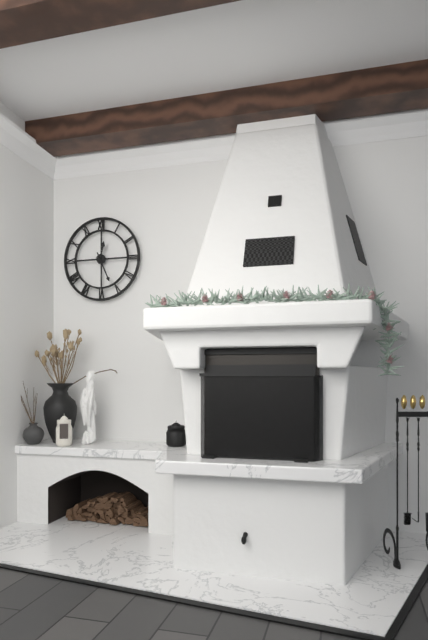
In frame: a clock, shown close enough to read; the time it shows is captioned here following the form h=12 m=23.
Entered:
h=12 m=26
